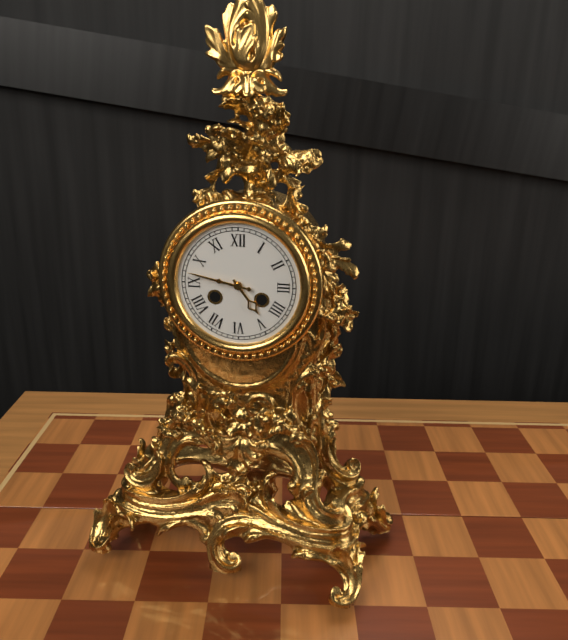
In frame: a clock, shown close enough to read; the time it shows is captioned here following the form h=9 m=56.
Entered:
h=4 m=47
